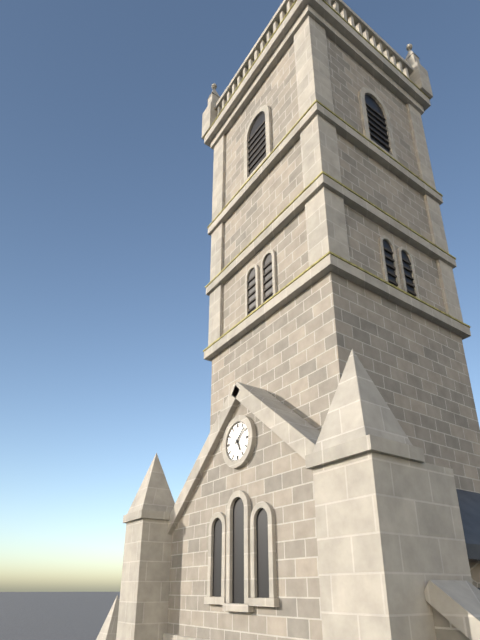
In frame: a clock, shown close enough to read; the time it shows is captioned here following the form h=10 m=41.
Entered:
h=5 m=8
